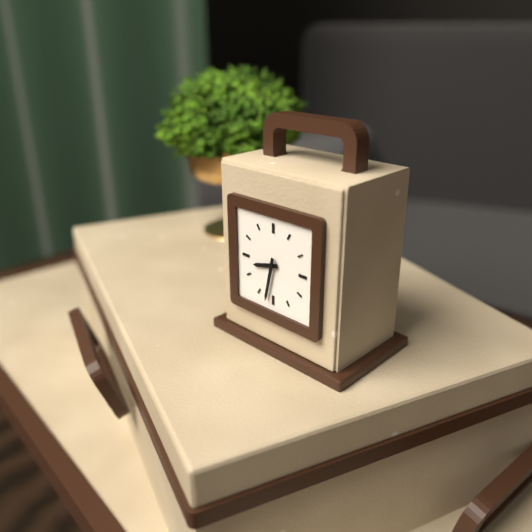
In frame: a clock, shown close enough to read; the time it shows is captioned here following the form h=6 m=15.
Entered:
h=8 m=32
